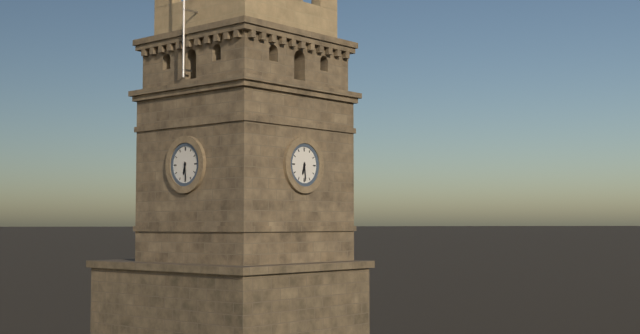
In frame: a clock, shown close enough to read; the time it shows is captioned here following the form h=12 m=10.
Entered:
h=6 m=29
